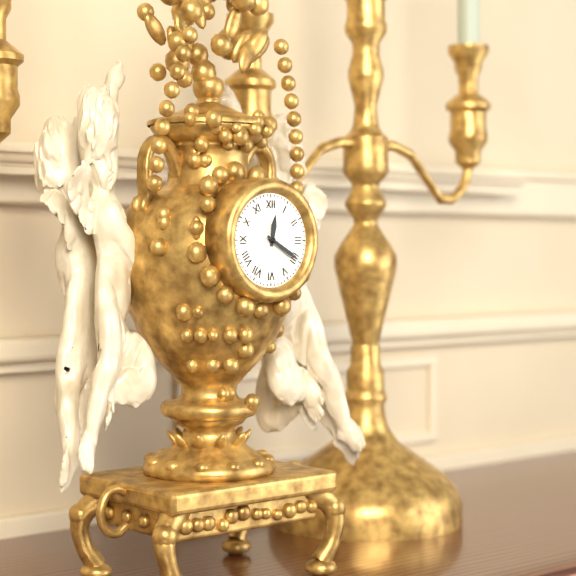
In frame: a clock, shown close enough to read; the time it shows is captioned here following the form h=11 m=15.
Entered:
h=12 m=20
